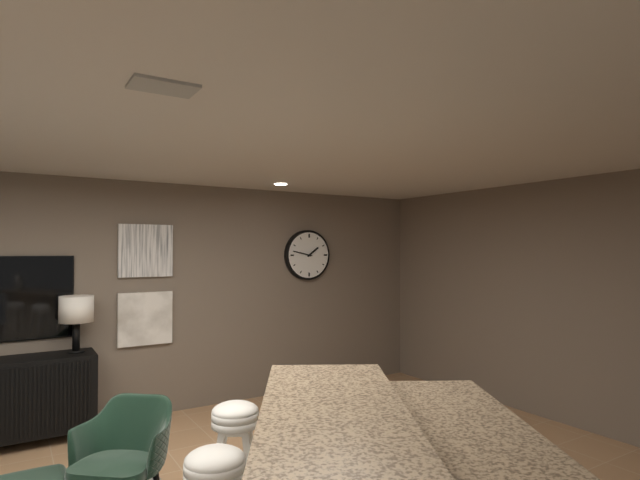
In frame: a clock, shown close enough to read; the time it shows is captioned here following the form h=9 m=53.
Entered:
h=1 m=47
